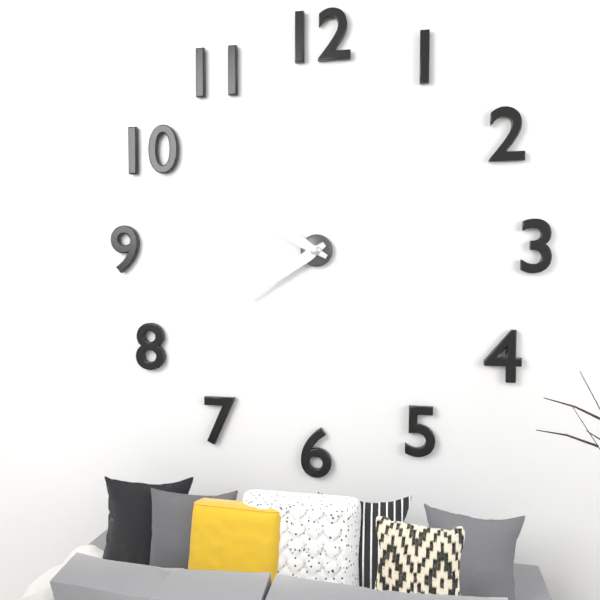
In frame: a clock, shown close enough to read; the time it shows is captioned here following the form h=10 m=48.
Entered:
h=7 m=50
